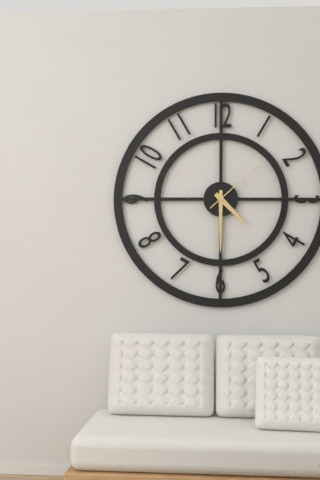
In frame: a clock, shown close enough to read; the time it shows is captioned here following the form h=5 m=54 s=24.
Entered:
h=4 m=30 s=8
